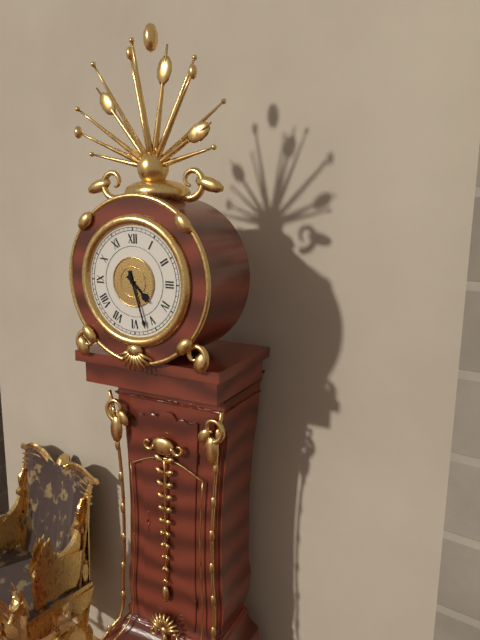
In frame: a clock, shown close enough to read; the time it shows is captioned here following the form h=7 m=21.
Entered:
h=4 m=27
